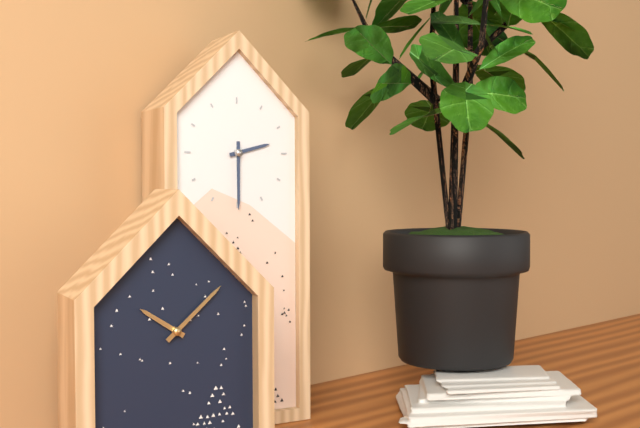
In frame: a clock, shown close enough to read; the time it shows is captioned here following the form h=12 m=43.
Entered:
h=2 m=30
